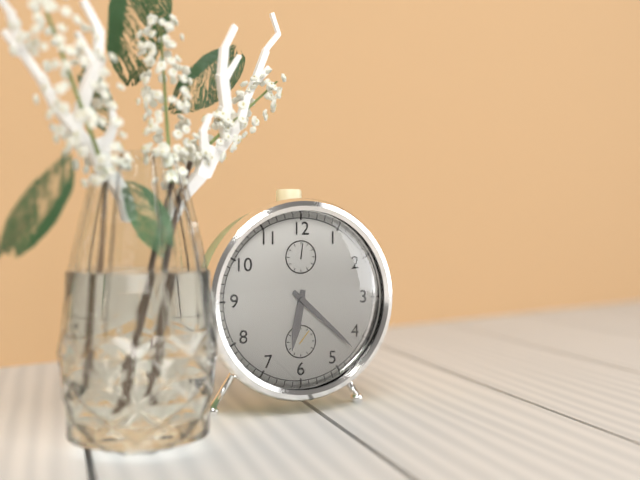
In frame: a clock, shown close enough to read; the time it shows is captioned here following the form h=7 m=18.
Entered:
h=6 m=22
